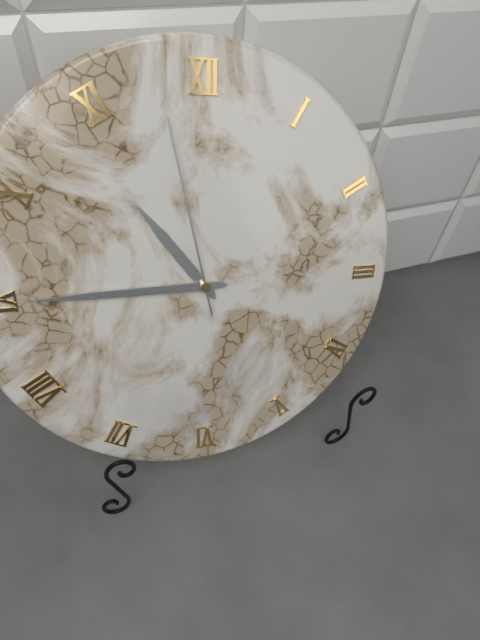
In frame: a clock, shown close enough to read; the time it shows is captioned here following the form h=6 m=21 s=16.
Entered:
h=10 m=45 s=58
